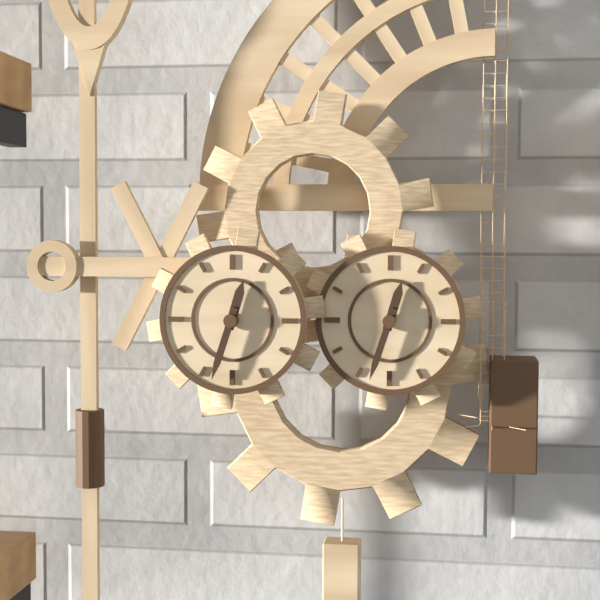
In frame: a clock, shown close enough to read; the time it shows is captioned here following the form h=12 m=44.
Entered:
h=12 m=33
